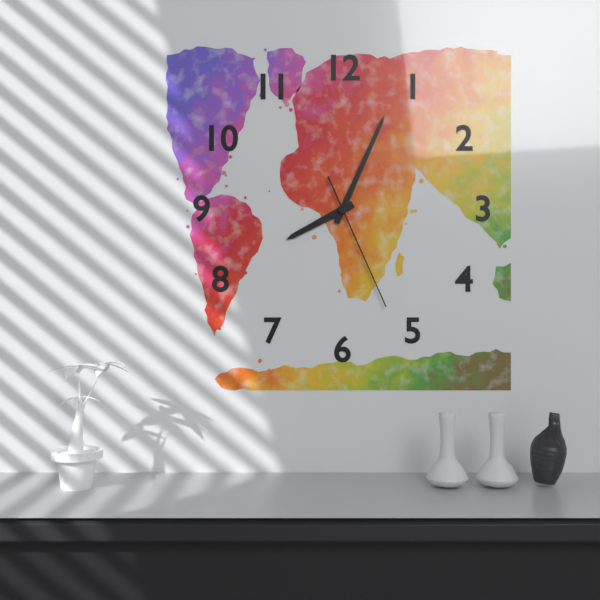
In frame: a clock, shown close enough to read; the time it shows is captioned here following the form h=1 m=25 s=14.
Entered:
h=8 m=4 s=26
